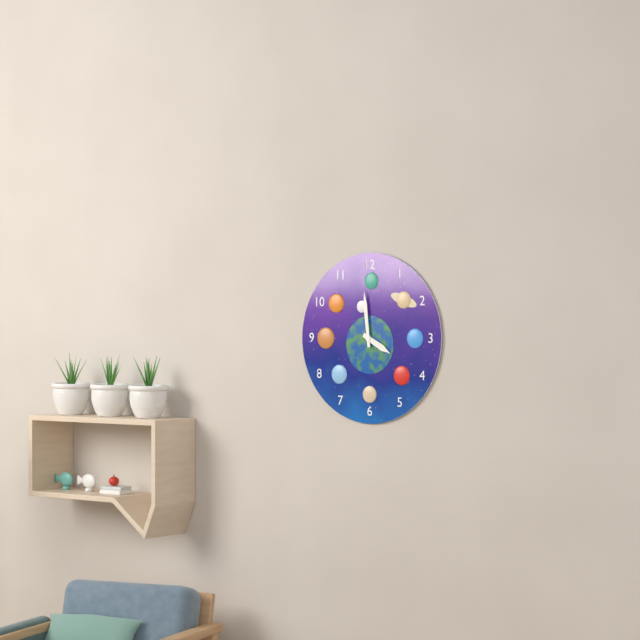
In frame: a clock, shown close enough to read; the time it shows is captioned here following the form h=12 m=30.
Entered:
h=3 m=59
